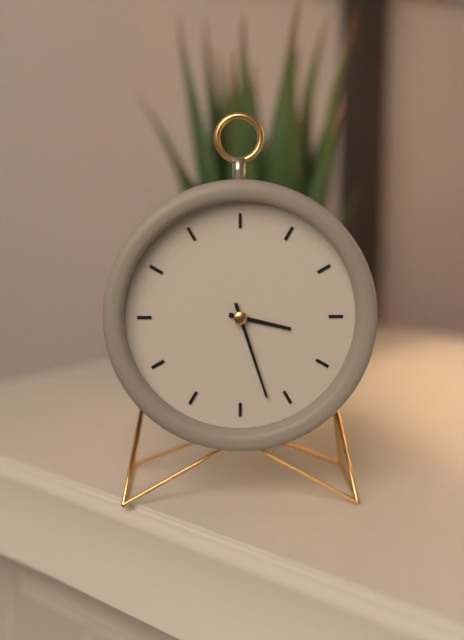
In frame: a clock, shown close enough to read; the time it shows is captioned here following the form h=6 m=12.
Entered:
h=3 m=27
